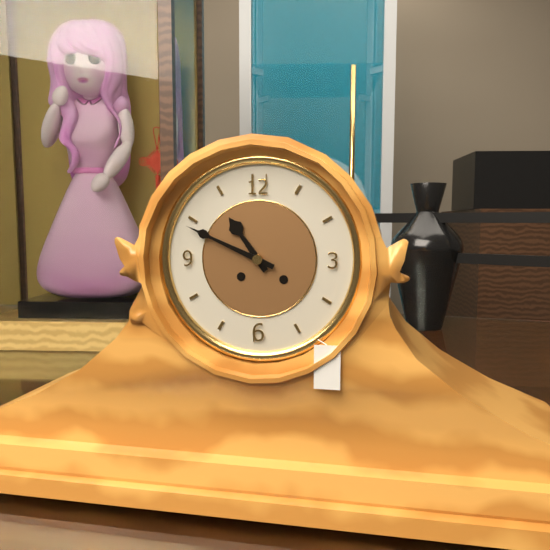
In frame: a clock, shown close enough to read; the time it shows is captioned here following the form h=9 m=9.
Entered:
h=10 m=49
